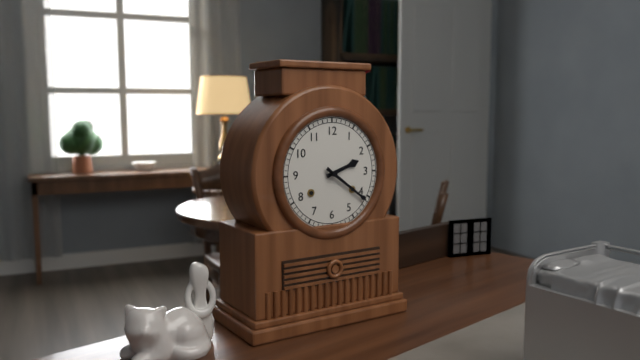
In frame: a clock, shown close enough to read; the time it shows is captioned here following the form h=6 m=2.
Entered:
h=2 m=21
